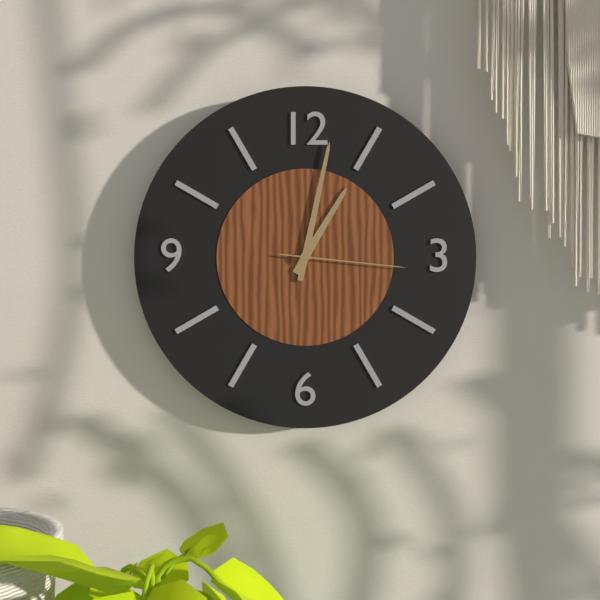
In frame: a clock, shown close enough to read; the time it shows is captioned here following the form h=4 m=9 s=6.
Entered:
h=1 m=2 s=16
